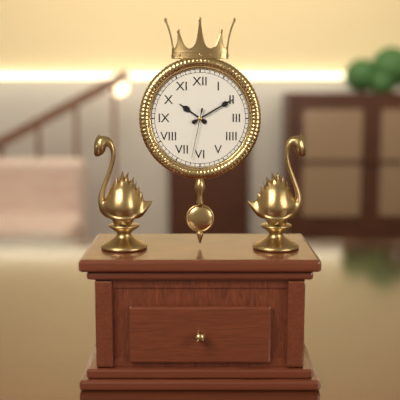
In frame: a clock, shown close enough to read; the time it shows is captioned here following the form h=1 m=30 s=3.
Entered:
h=10 m=10 s=32
